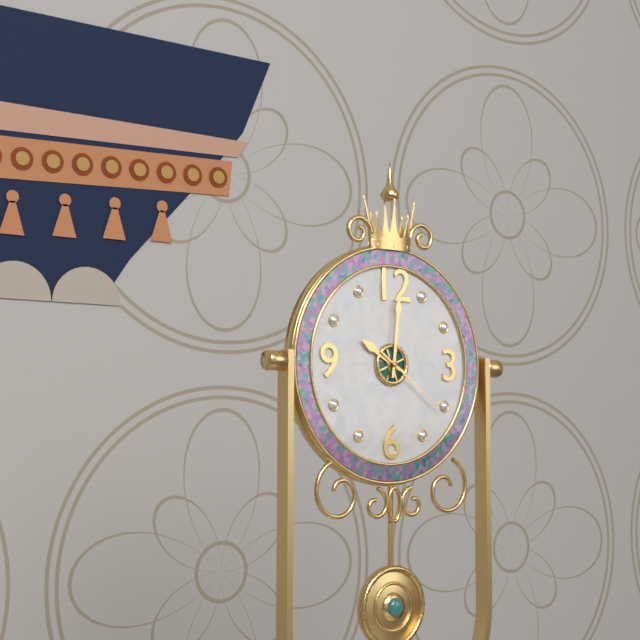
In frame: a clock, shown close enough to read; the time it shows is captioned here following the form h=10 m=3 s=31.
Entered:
h=10 m=1 s=21
